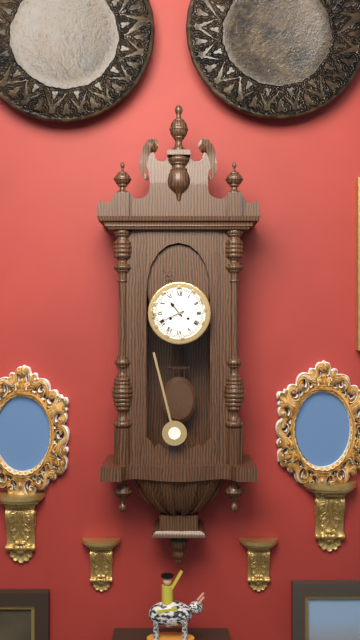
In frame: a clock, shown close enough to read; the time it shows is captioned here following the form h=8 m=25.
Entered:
h=10 m=41
